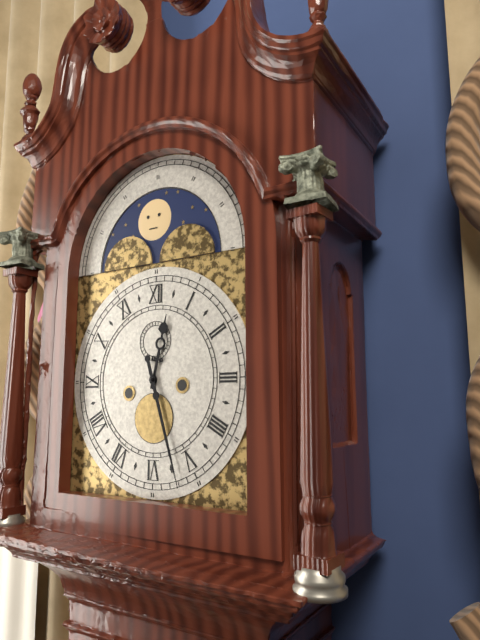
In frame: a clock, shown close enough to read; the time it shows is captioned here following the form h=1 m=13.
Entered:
h=12 m=27
